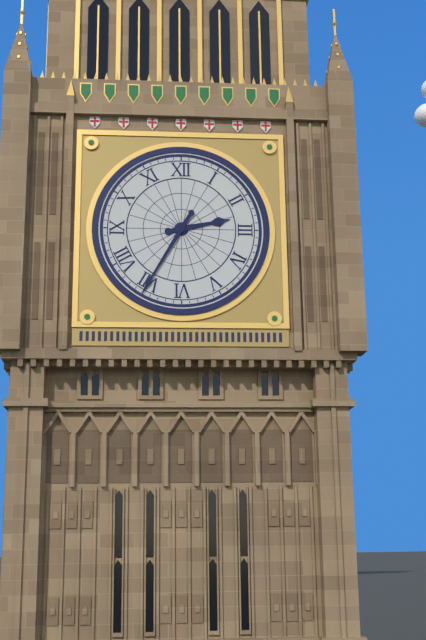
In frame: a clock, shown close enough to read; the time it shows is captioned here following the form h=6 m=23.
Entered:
h=2 m=35
